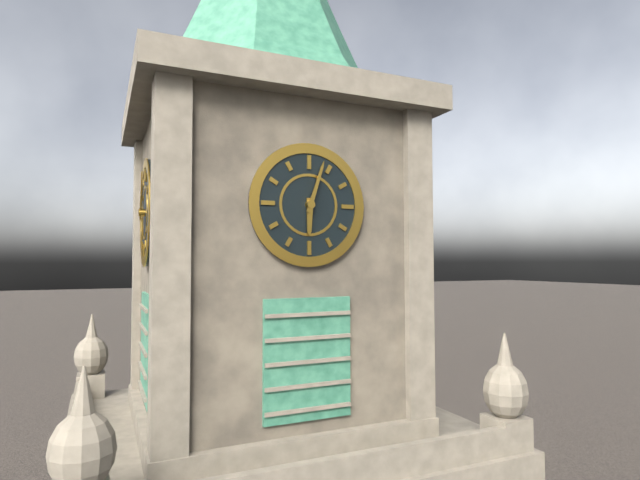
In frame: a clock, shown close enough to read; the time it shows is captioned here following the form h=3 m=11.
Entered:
h=6 m=3
